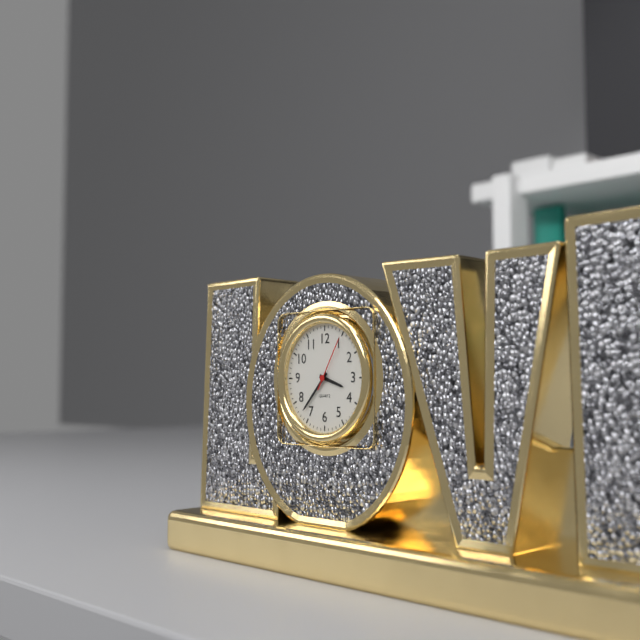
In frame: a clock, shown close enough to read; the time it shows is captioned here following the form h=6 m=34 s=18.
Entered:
h=3 m=37 s=5
